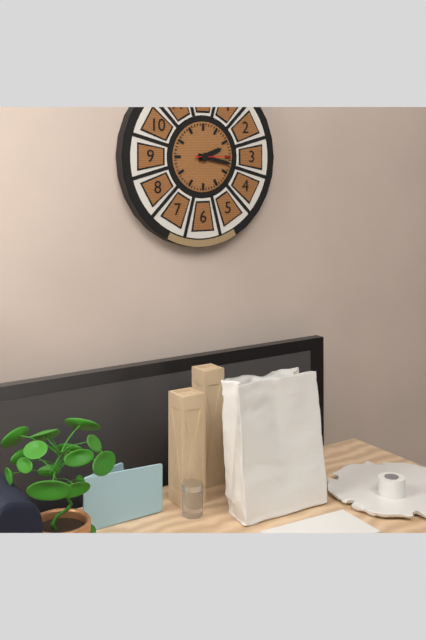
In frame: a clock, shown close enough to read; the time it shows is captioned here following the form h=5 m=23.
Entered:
h=2 m=17
